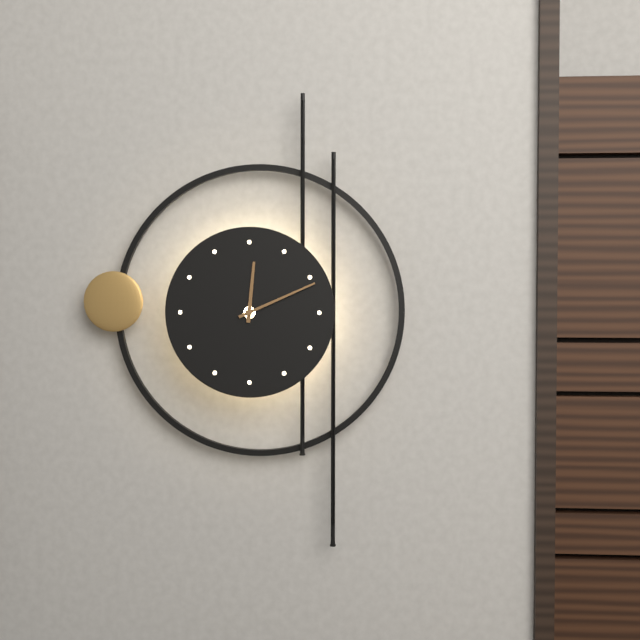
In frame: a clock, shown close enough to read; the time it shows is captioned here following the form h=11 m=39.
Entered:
h=12 m=11
